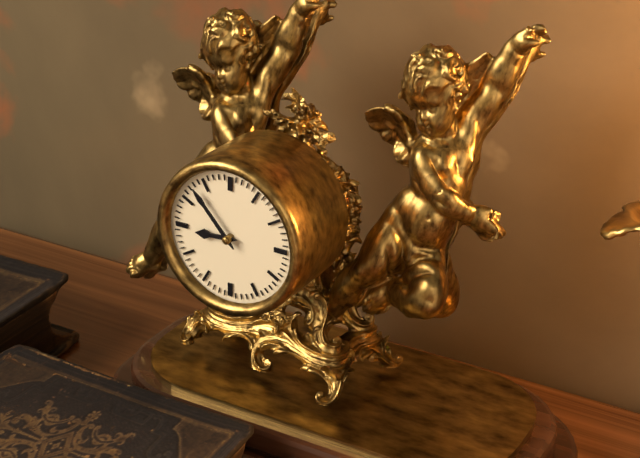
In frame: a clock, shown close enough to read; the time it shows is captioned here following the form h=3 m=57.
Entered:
h=8 m=53
